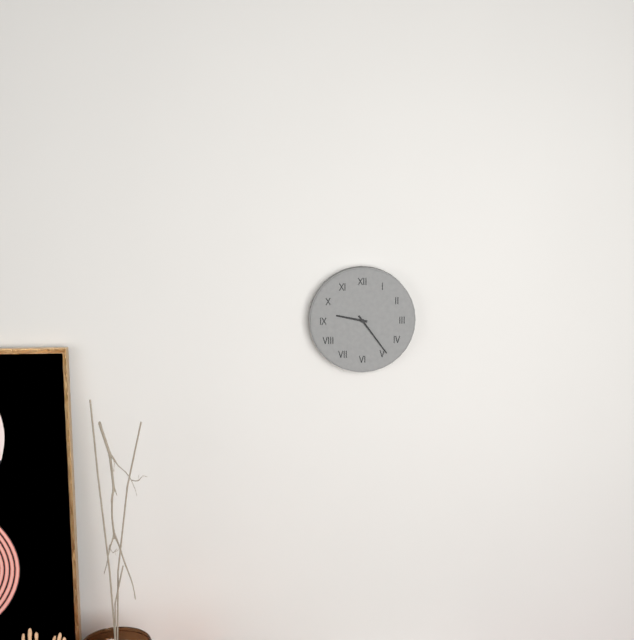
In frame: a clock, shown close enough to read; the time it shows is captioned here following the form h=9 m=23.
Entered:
h=9 m=24
